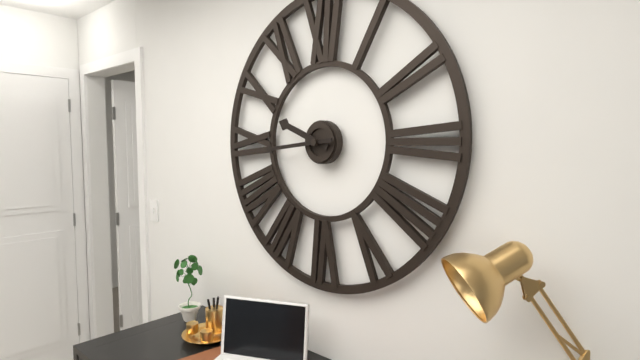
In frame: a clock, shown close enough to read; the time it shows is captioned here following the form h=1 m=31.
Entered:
h=9 m=44
